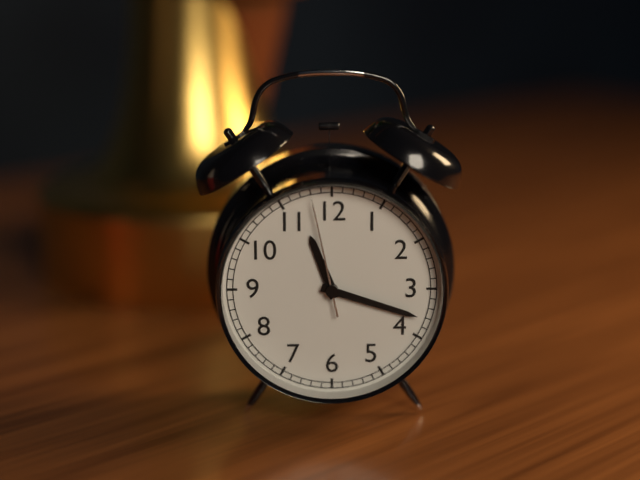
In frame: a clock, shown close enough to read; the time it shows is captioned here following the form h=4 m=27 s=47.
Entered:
h=11 m=18 s=58
